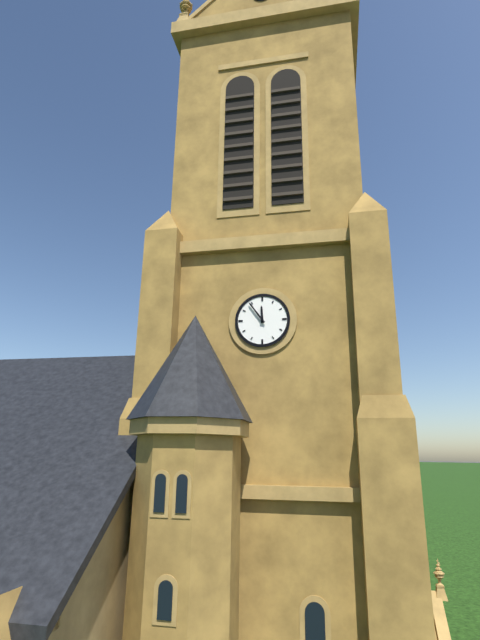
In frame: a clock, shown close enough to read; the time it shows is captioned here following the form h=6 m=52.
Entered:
h=11 m=54
